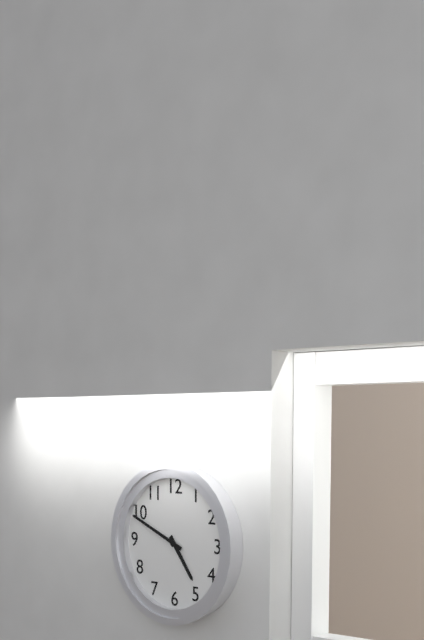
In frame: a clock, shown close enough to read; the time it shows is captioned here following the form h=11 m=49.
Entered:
h=4 m=49
